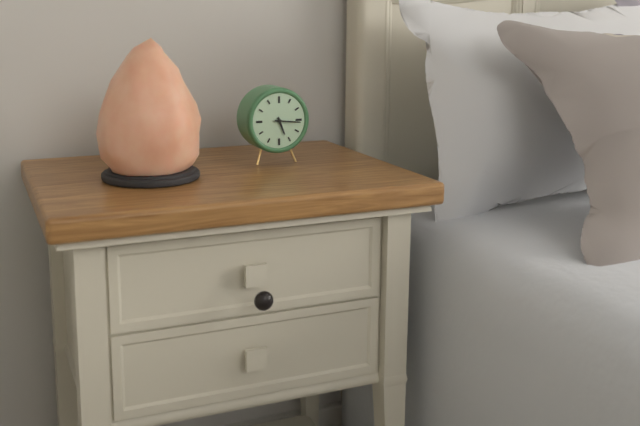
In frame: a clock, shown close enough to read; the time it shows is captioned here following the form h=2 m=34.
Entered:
h=5 m=16
